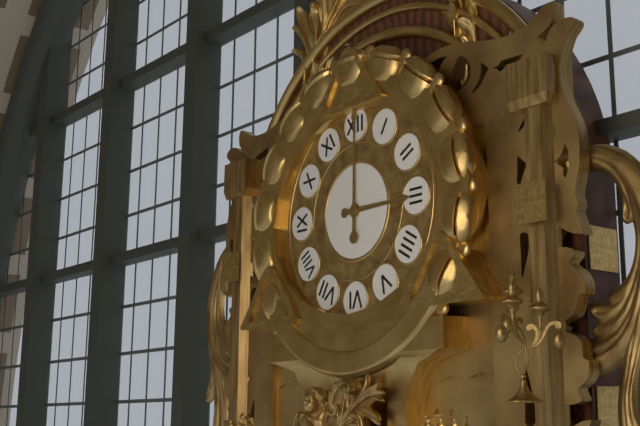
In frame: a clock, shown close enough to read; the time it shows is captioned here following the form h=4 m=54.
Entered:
h=3 m=0
